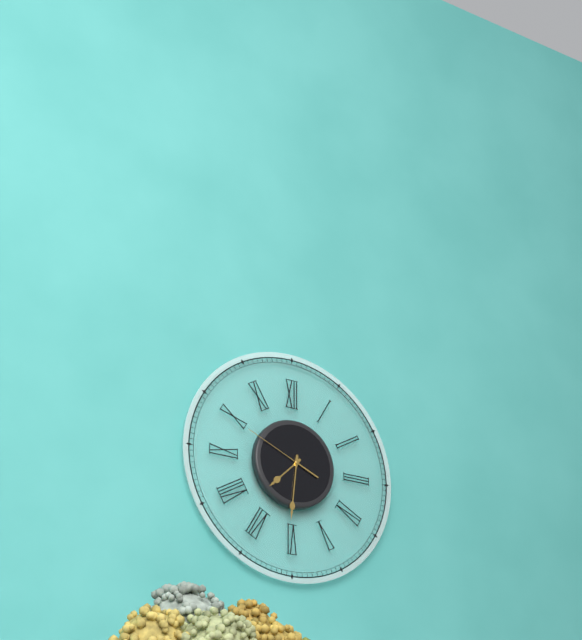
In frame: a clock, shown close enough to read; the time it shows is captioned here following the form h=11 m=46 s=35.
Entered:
h=7 m=31 s=49
